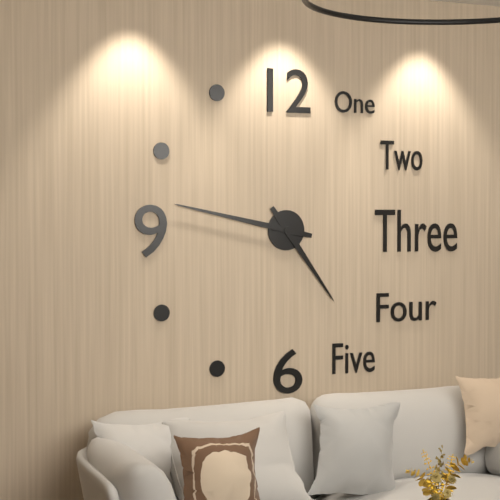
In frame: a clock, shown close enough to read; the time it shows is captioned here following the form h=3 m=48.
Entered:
h=4 m=47
